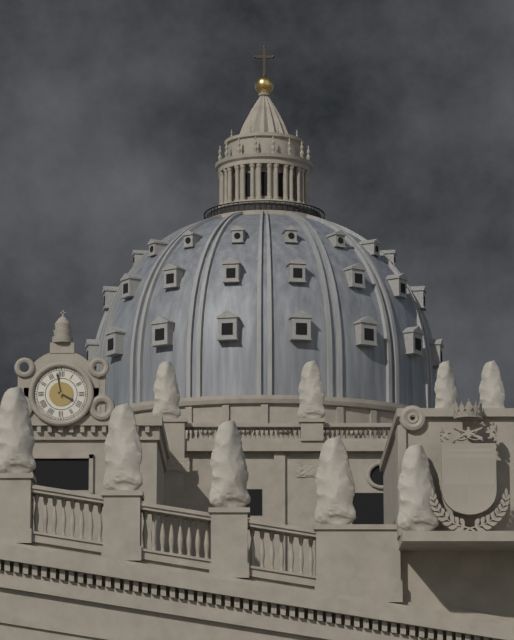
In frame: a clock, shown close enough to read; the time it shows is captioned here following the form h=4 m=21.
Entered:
h=3 m=58
